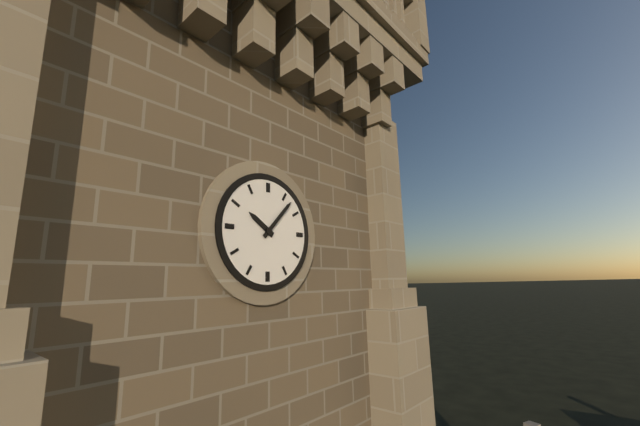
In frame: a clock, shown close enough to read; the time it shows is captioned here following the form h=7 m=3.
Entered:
h=10 m=7
